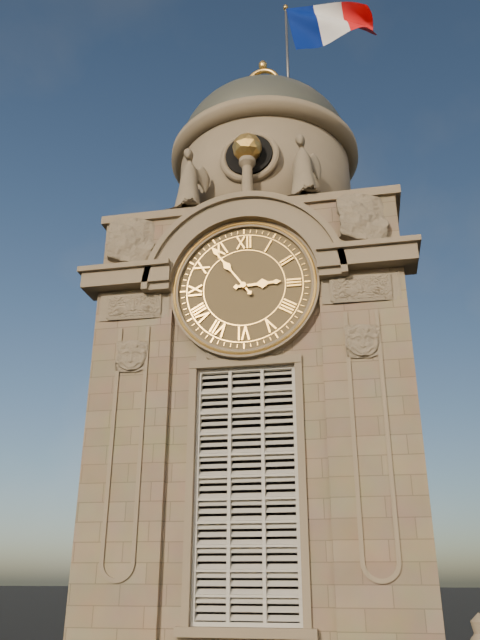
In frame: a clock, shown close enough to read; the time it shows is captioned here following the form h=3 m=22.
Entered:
h=2 m=54
